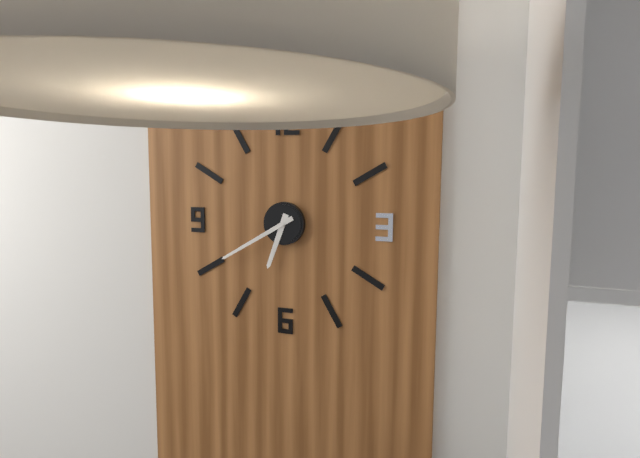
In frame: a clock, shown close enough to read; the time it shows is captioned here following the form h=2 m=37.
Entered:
h=6 m=40
